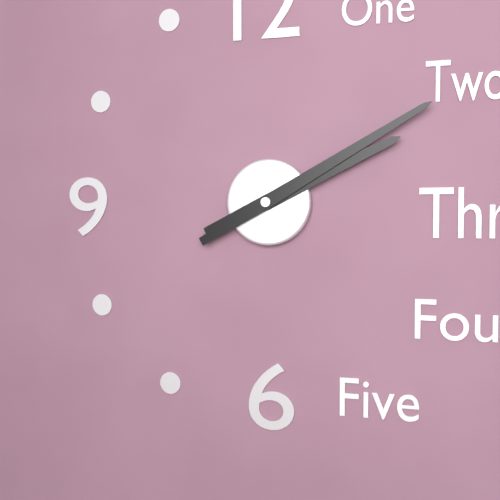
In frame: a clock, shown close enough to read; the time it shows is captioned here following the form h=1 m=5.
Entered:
h=2 m=10
